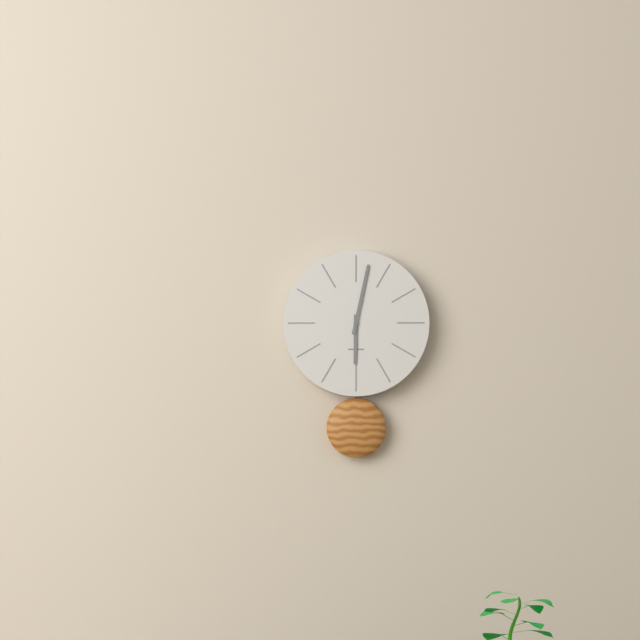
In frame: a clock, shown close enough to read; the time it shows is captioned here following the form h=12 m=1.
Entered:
h=6 m=2
